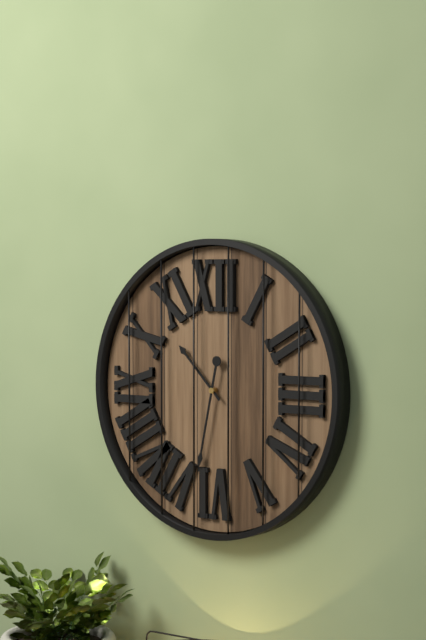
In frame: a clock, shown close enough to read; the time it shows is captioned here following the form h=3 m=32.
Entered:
h=10 m=32
